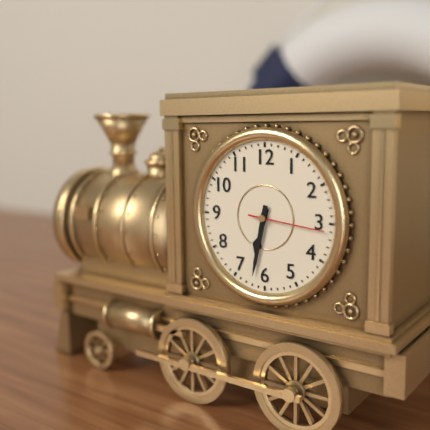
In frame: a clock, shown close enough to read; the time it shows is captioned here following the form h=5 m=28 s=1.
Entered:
h=6 m=32 s=16
